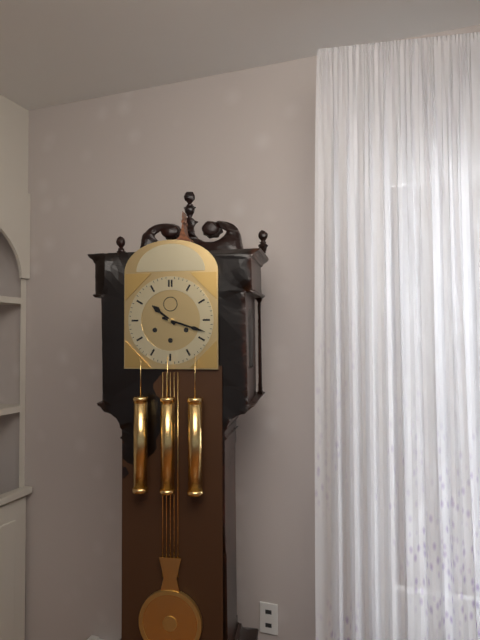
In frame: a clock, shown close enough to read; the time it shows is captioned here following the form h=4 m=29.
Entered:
h=10 m=18
